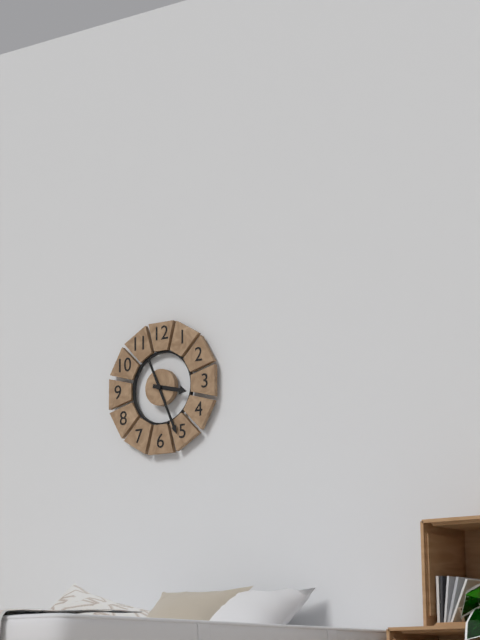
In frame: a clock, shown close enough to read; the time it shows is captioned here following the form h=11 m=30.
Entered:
h=3 m=26
